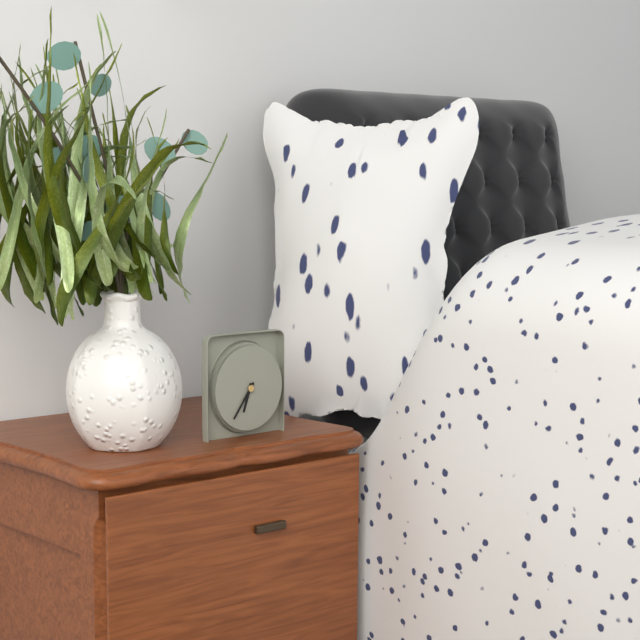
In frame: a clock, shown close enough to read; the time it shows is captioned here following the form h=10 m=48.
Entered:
h=6 m=36
